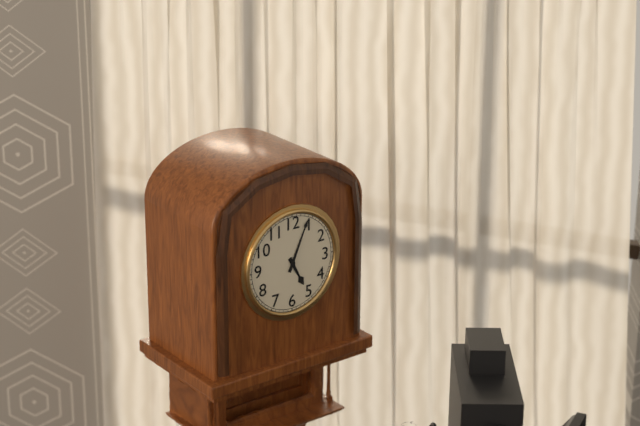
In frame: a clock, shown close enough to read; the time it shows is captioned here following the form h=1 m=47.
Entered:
h=5 m=4
